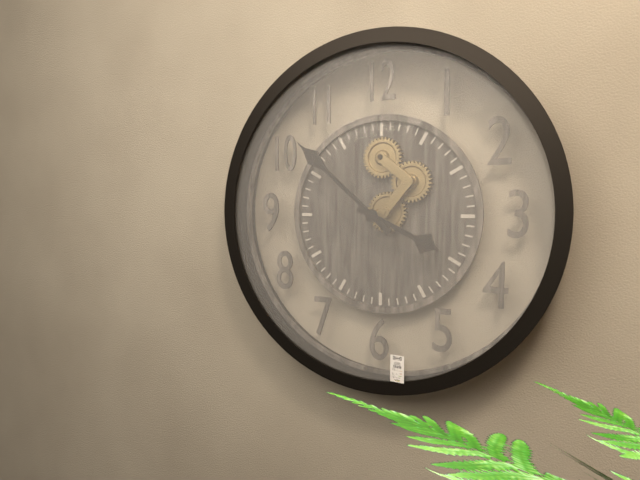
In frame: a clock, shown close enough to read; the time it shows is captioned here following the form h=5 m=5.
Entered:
h=3 m=52
